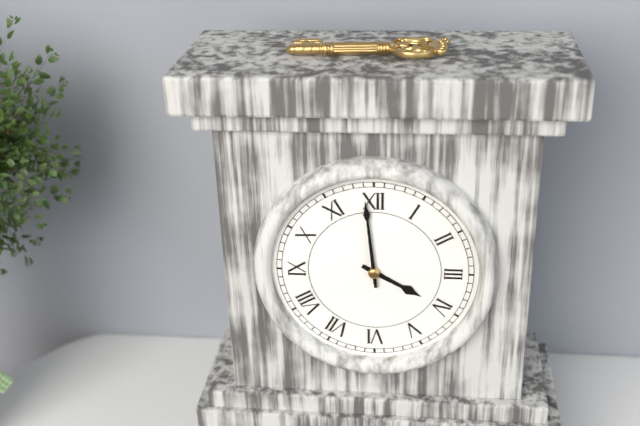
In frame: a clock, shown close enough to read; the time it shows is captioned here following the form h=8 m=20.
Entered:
h=3 m=59
